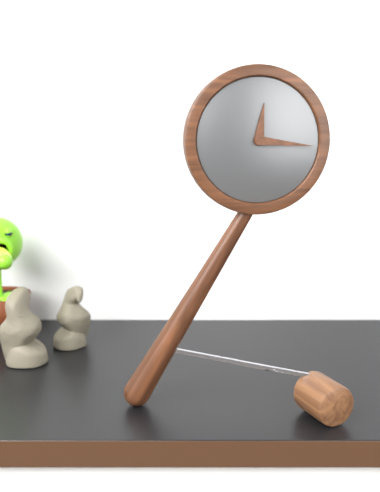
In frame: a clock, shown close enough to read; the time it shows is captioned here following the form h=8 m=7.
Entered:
h=12 m=16
